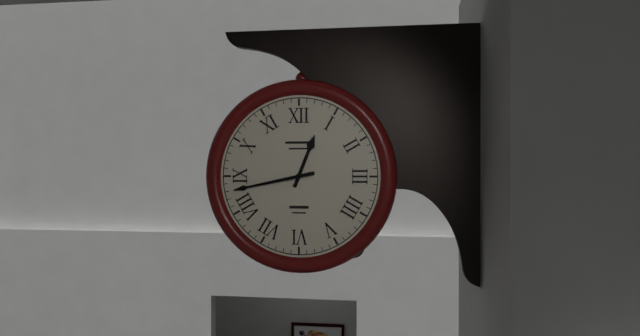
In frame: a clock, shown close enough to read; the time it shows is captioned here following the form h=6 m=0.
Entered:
h=12 m=43
